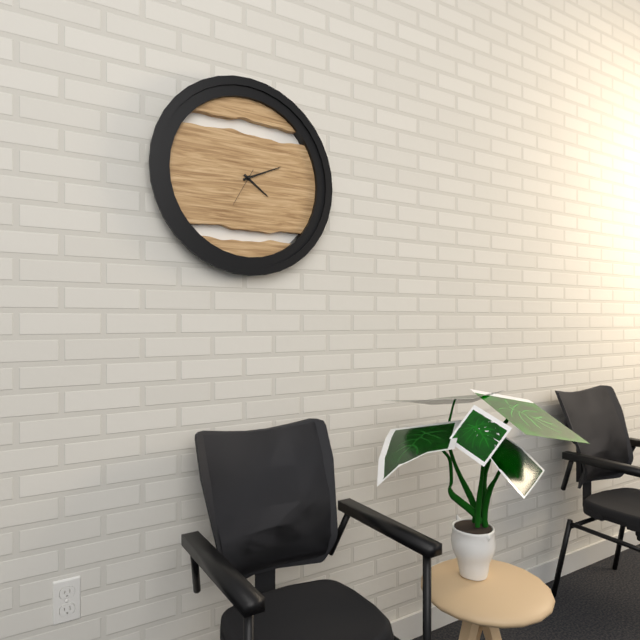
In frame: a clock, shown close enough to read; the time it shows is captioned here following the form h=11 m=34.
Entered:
h=4 m=11
